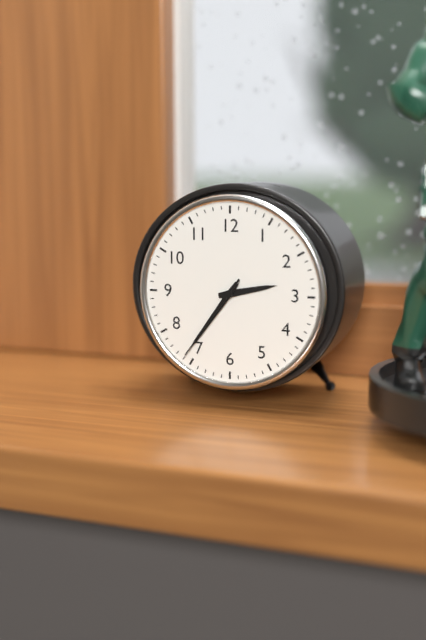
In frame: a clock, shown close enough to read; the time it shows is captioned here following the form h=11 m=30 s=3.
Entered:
h=2 m=36 s=36
